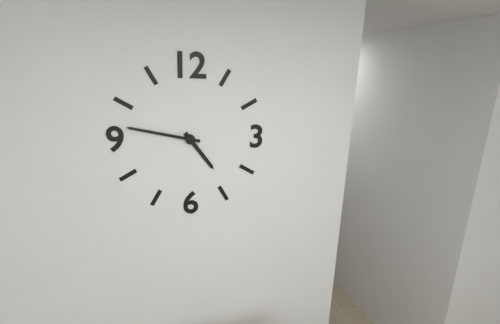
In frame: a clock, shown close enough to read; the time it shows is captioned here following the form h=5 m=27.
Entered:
h=4 m=47
